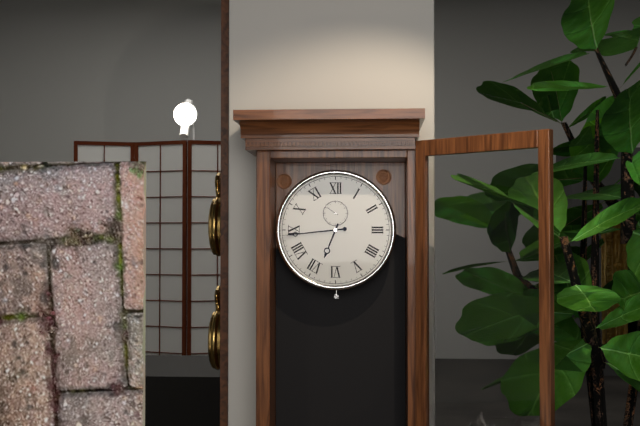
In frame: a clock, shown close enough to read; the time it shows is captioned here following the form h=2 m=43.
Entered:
h=6 m=44
